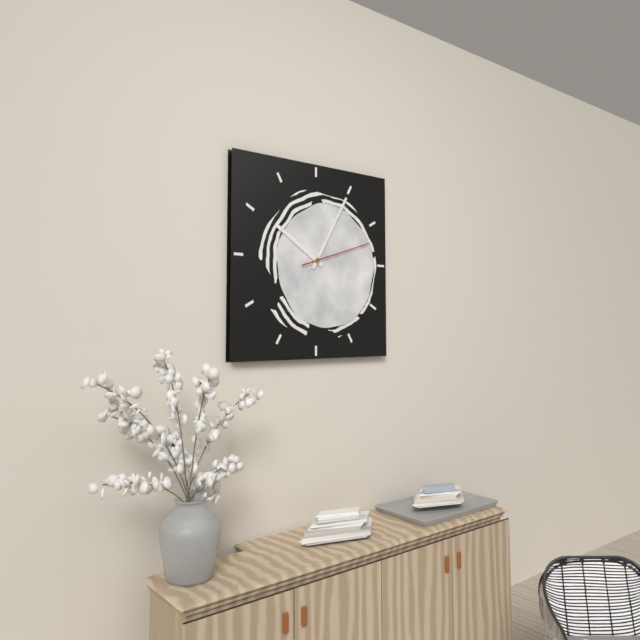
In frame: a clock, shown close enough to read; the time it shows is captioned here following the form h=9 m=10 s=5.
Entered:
h=10 m=5 s=12
